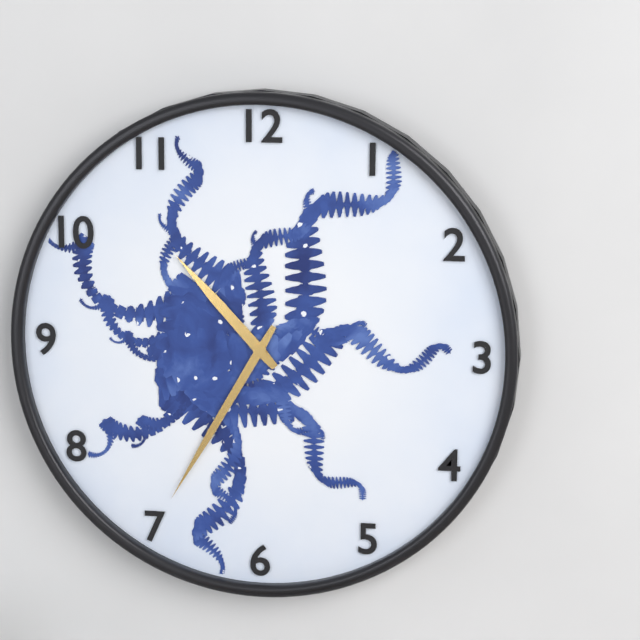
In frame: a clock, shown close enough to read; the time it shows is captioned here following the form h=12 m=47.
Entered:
h=10 m=35
